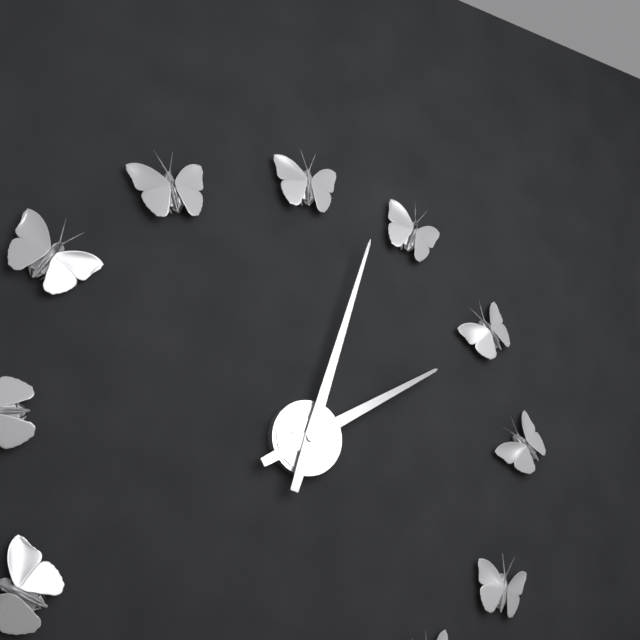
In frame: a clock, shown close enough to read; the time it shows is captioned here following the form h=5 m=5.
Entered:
h=2 m=3
